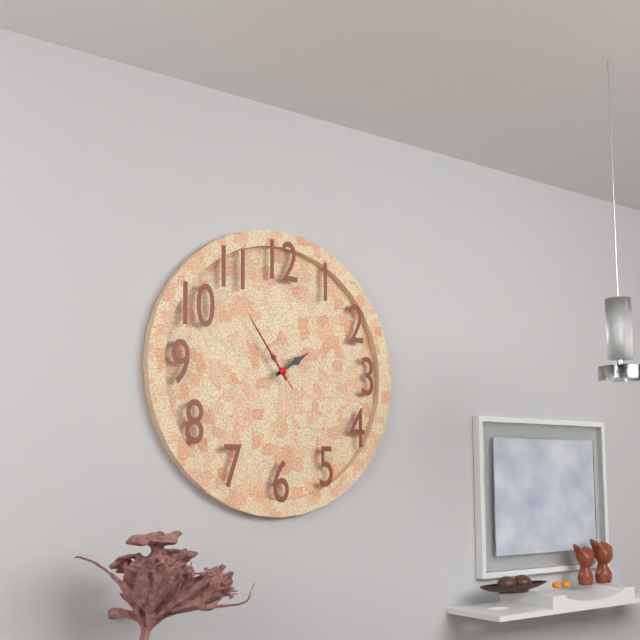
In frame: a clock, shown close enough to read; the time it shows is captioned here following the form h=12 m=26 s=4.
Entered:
h=1 m=54 s=54
